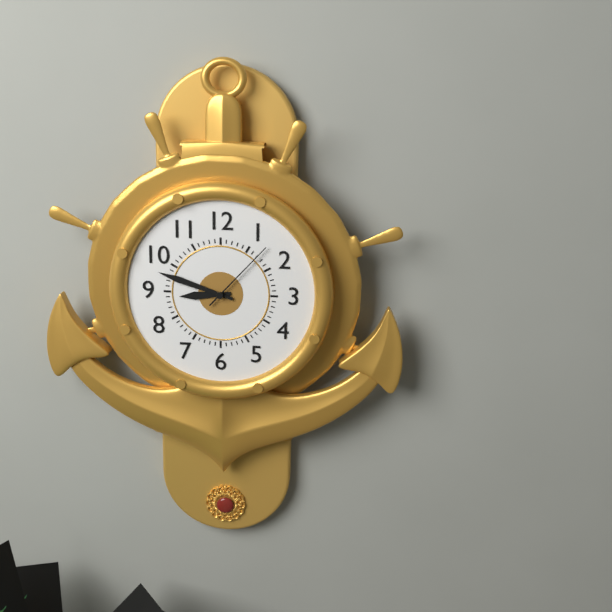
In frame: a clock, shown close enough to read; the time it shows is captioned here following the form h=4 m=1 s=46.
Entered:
h=8 m=48 s=7
